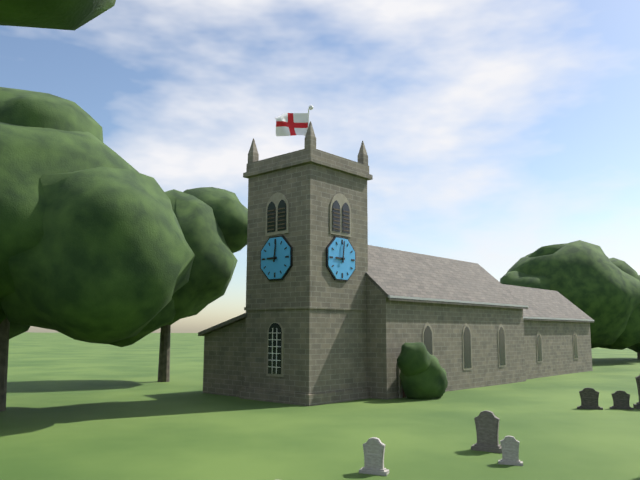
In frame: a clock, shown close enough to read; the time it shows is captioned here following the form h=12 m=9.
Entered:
h=9 m=1
